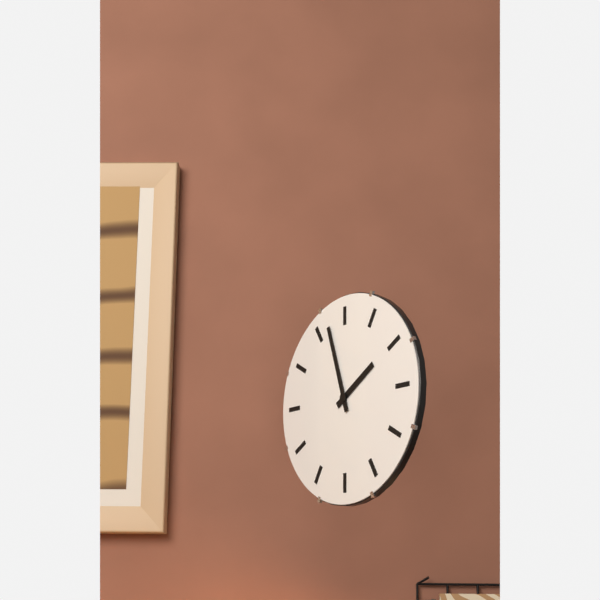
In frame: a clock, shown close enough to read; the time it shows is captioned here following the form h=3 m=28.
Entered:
h=1 m=57
